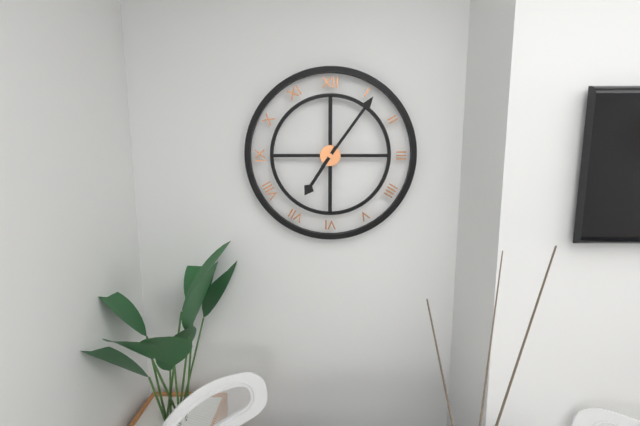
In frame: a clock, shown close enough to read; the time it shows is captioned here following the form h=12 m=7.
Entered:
h=7 m=6
